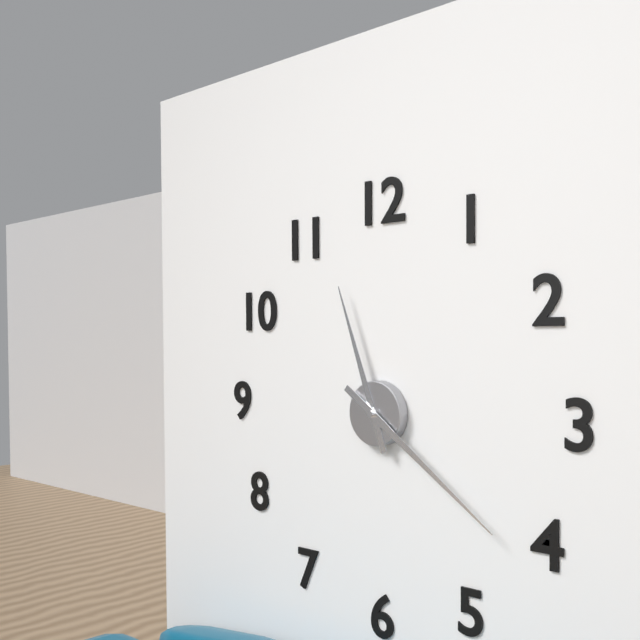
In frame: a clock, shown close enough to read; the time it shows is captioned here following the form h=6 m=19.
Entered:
h=11 m=21
